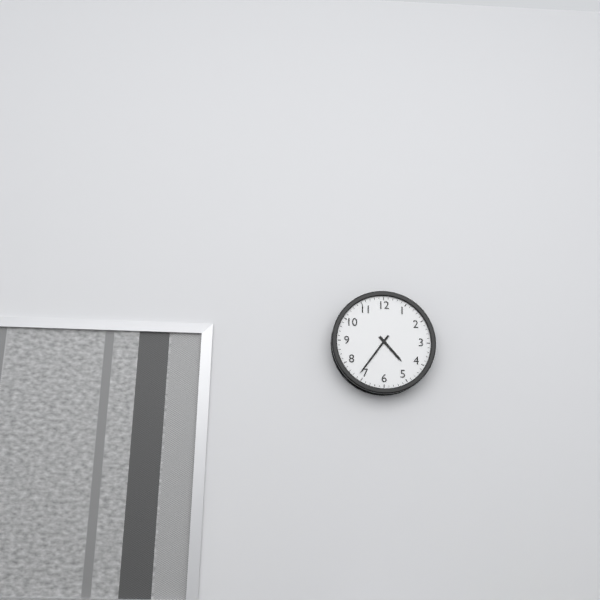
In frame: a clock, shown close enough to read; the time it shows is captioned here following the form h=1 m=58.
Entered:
h=4 m=36
